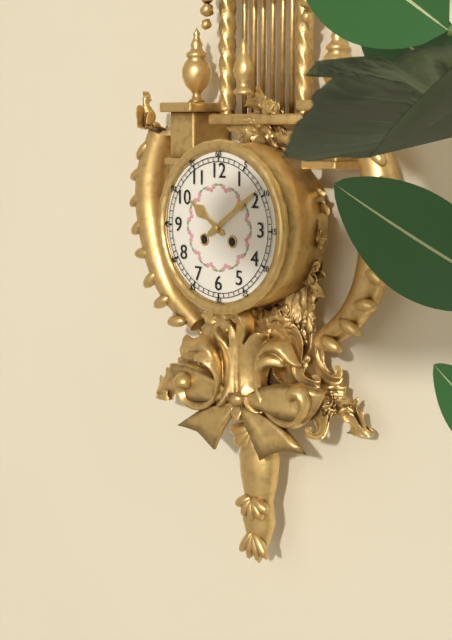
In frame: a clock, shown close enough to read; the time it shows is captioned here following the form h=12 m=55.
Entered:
h=10 m=9
